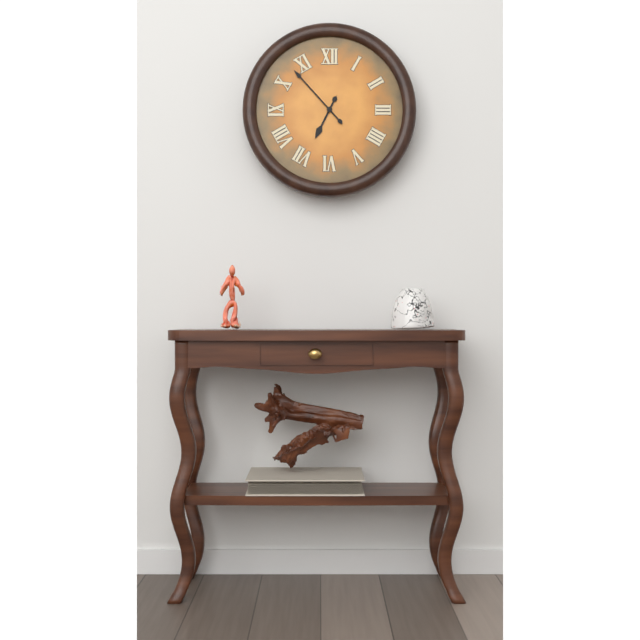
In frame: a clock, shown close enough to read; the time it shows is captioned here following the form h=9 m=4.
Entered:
h=6 m=53
